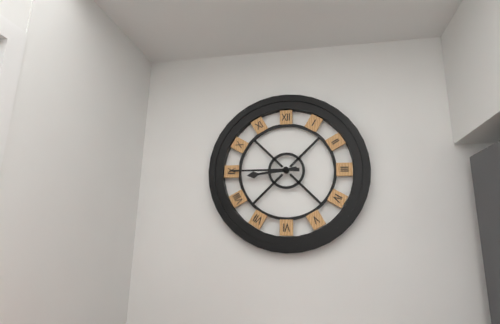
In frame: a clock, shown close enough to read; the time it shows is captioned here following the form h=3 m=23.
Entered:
h=8 m=45
